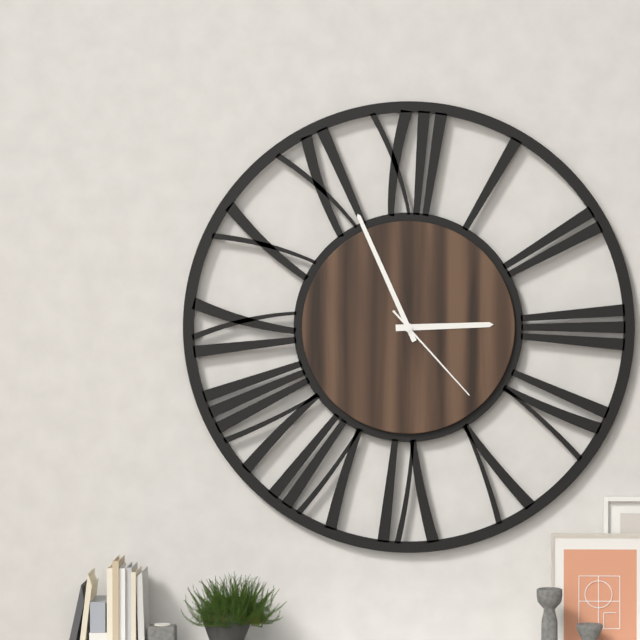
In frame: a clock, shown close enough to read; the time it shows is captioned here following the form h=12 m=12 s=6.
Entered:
h=2 m=56 s=23
